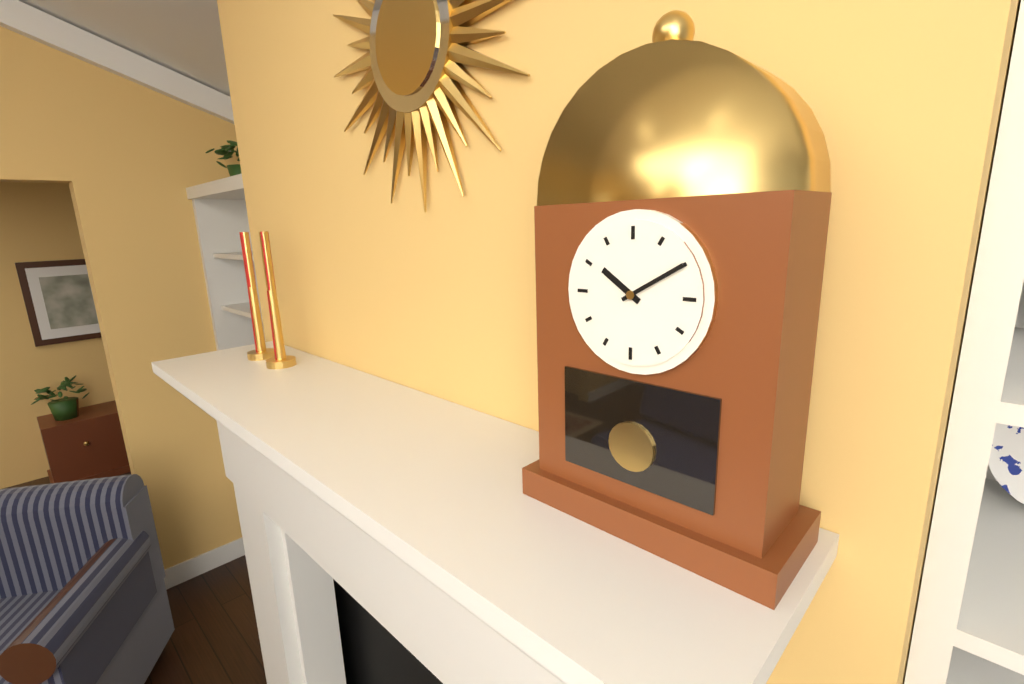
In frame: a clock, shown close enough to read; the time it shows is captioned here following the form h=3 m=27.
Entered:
h=10 m=10
